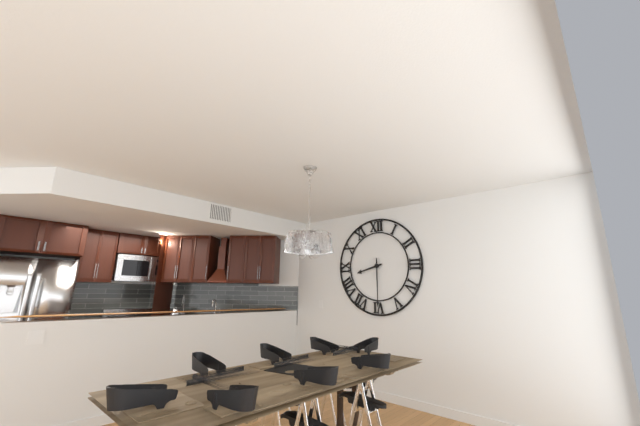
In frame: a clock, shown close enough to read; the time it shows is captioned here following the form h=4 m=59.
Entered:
h=8 m=30
